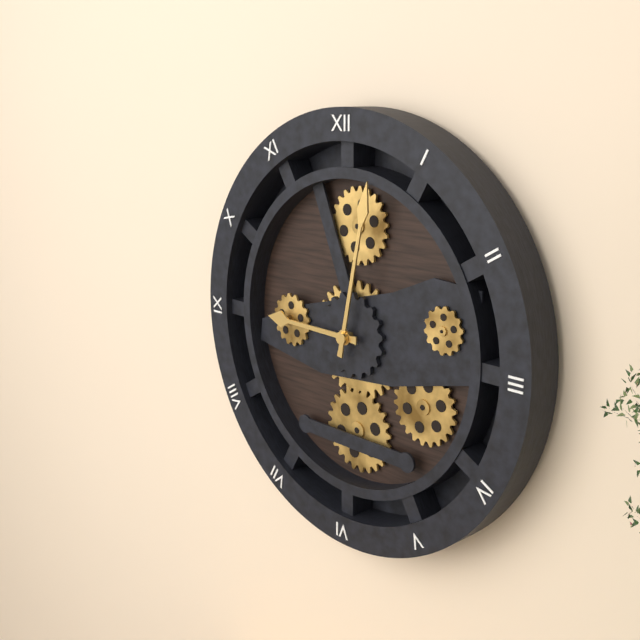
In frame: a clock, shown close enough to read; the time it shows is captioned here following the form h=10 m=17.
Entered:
h=9 m=2
